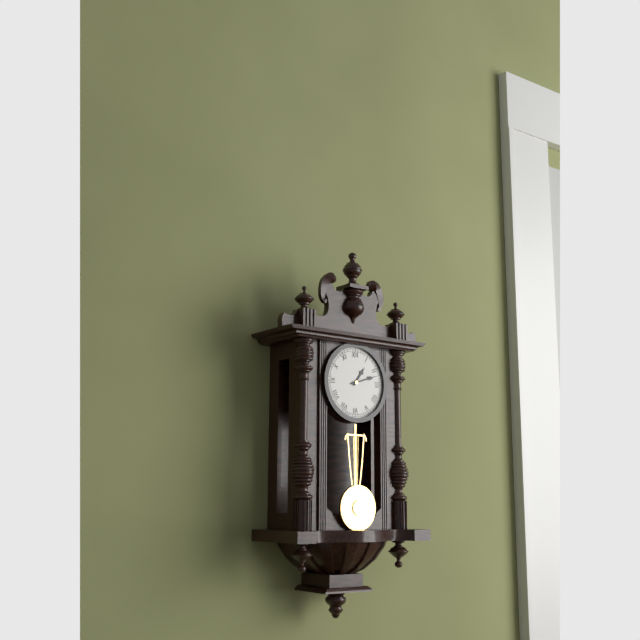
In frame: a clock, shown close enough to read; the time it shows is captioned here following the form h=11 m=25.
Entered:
h=1 m=12
